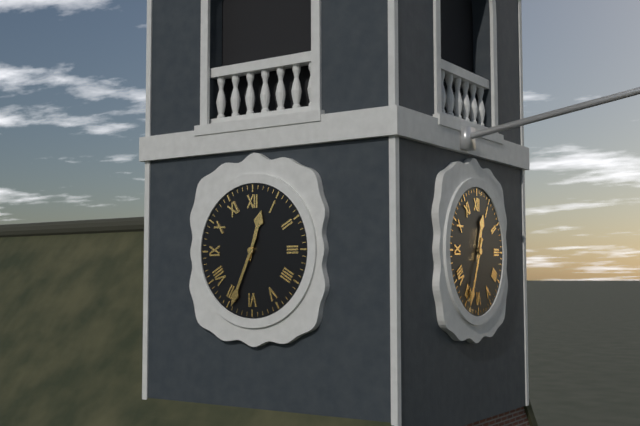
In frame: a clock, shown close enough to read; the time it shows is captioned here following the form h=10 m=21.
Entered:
h=12 m=34
